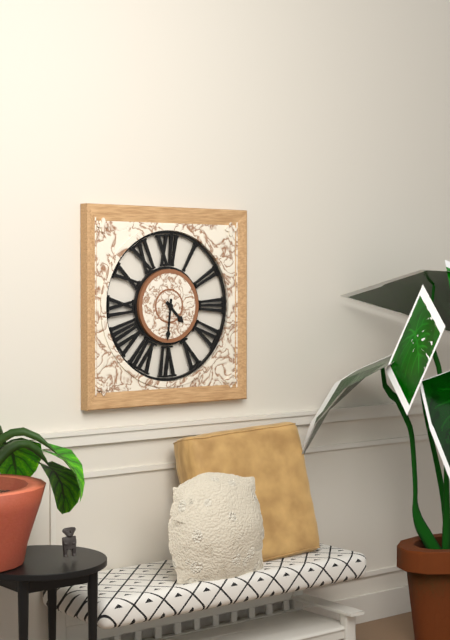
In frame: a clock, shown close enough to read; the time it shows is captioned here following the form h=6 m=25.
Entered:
h=4 m=31
